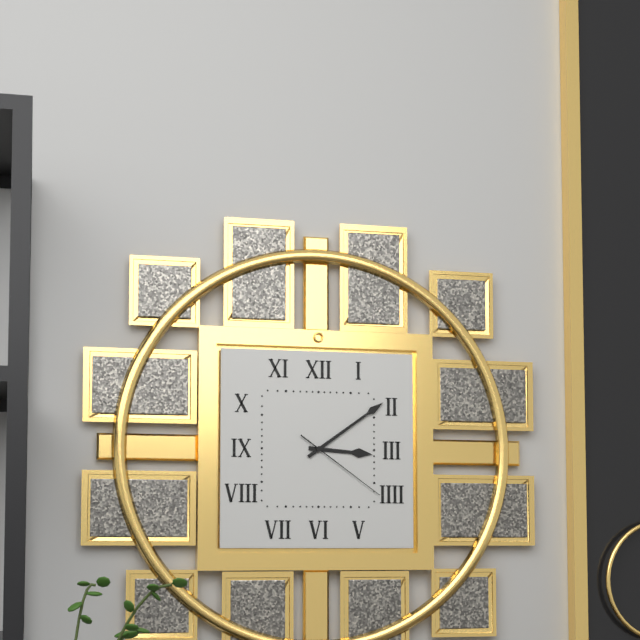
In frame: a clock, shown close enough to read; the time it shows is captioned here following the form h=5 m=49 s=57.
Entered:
h=3 m=9 s=21
